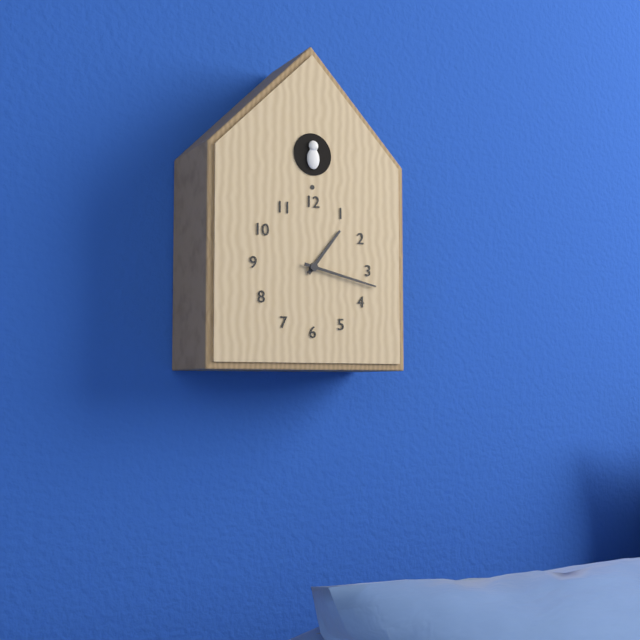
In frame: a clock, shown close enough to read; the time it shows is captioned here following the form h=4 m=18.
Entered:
h=1 m=17
